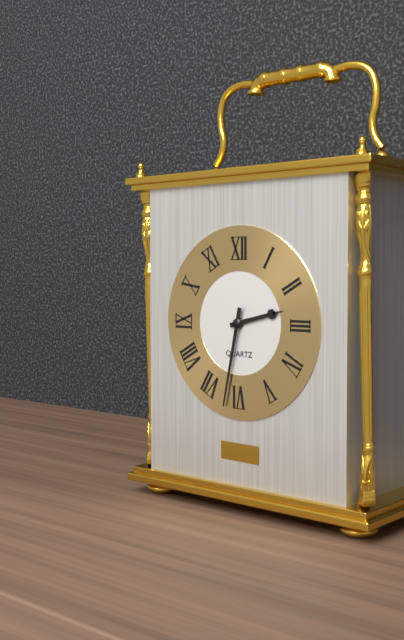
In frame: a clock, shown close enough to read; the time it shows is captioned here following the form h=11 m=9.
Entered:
h=2 m=32
